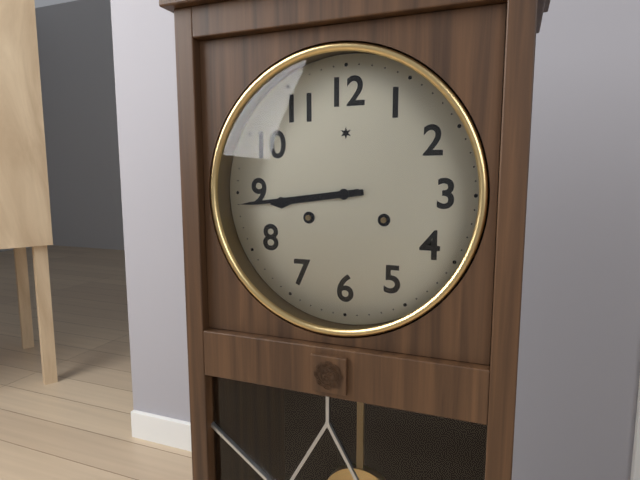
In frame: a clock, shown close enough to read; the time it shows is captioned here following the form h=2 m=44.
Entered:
h=8 m=44
